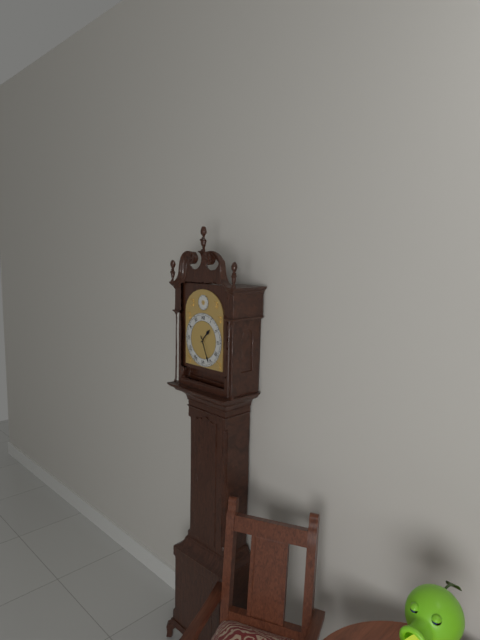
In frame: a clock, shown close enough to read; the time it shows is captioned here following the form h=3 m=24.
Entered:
h=1 m=26
